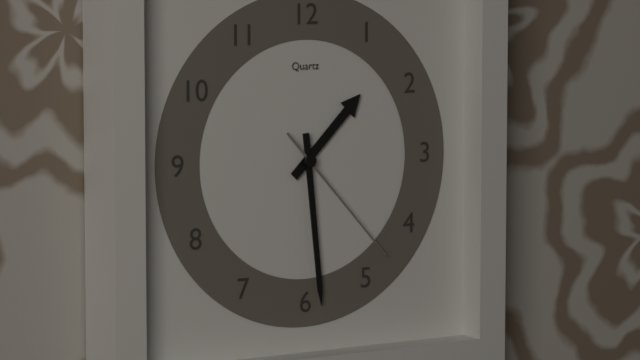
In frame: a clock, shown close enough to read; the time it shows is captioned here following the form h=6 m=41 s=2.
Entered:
h=1 m=29 s=23
